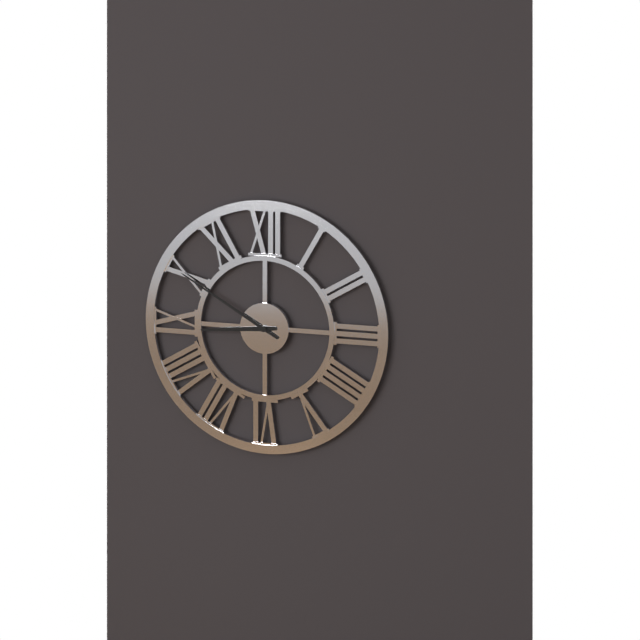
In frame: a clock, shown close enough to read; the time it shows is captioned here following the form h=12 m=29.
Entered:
h=8 m=50
